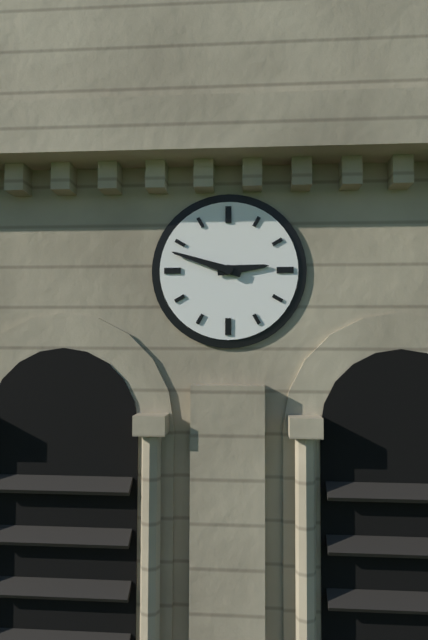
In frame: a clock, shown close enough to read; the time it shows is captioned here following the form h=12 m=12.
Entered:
h=2 m=48
